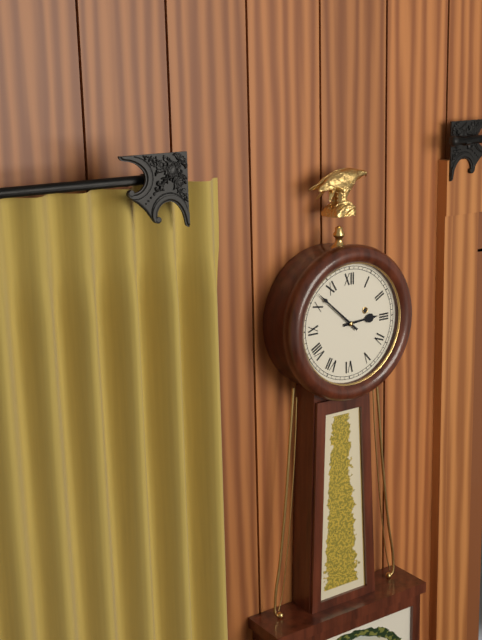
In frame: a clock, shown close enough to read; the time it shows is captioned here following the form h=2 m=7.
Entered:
h=2 m=52
